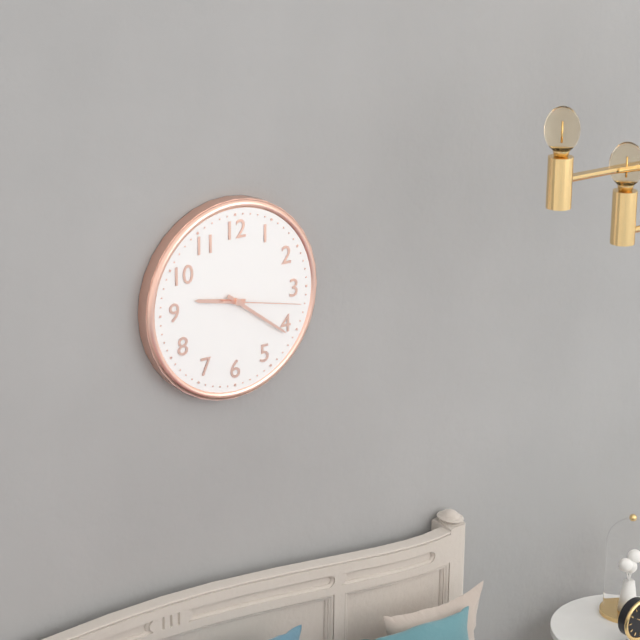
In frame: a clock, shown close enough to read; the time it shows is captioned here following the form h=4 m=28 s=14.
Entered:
h=9 m=21 s=17
